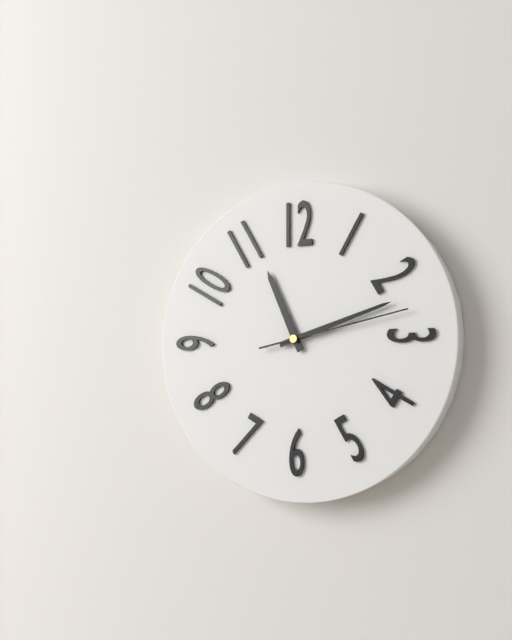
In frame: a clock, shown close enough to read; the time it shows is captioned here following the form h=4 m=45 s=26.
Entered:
h=11 m=12 s=13
